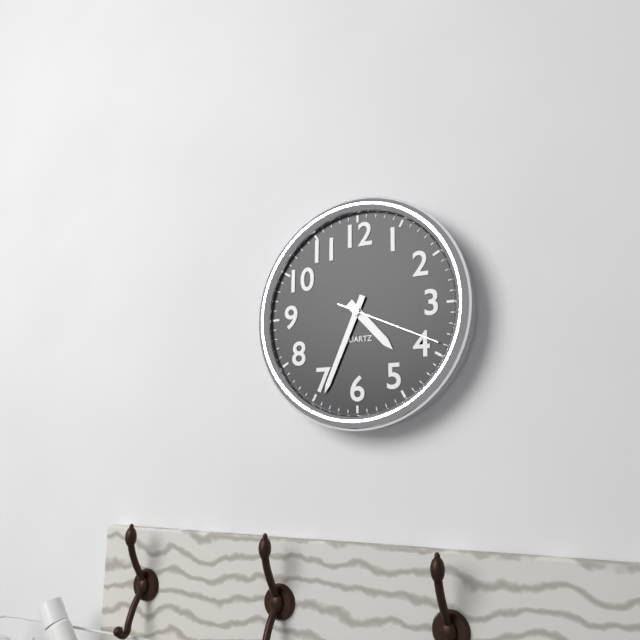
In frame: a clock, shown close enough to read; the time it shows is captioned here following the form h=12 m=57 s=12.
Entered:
h=4 m=34 s=19
